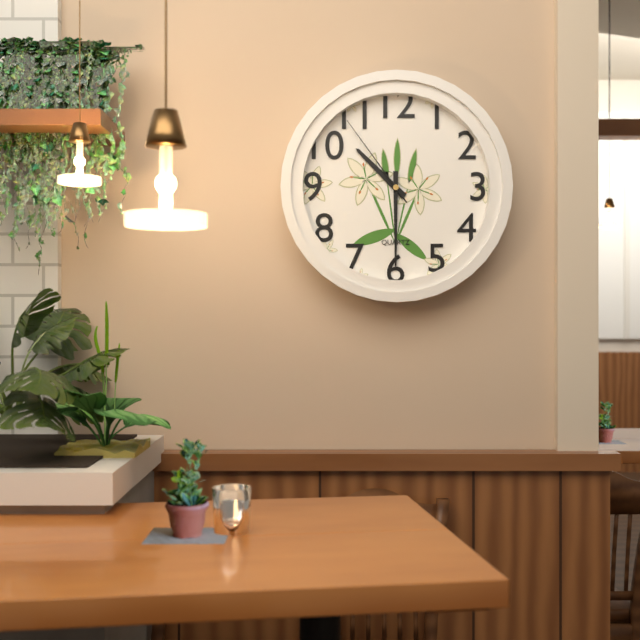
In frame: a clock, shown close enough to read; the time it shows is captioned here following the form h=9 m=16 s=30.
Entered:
h=10 m=30 s=54
